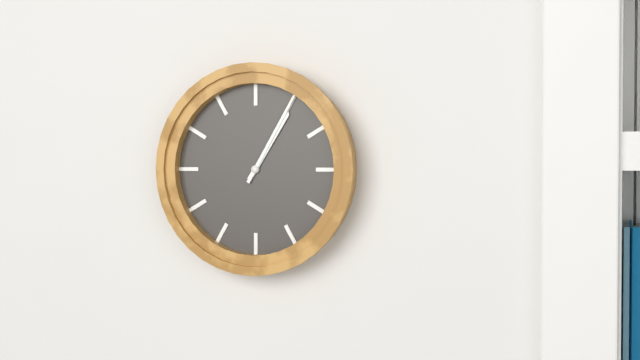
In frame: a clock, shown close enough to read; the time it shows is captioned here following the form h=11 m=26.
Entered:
h=1 m=5
